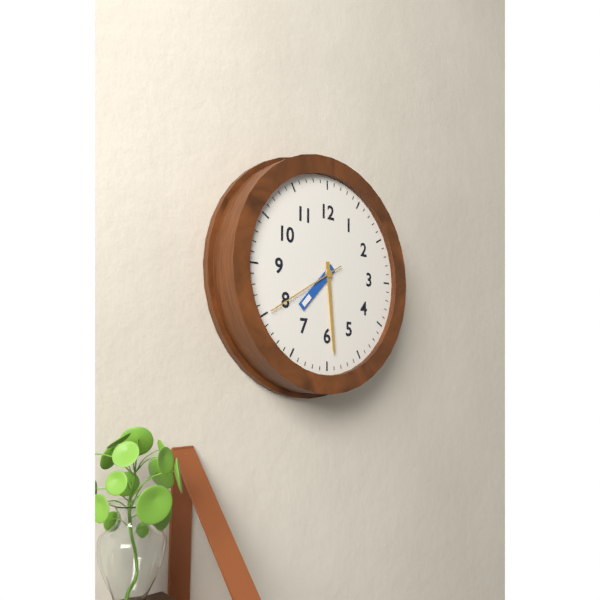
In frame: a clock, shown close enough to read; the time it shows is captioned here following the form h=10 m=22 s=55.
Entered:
h=7 m=29 s=40
